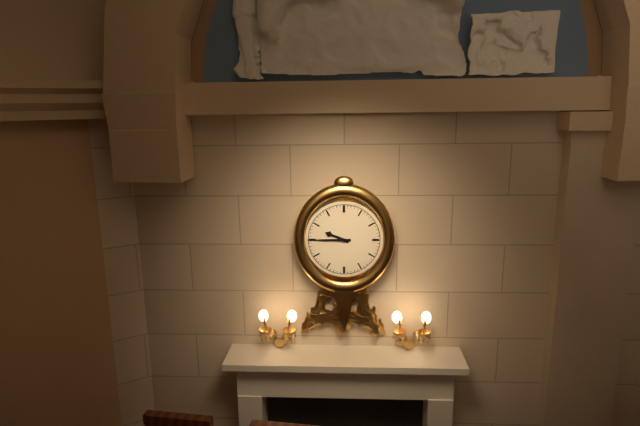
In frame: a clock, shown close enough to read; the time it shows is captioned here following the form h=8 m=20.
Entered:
h=9 m=45
